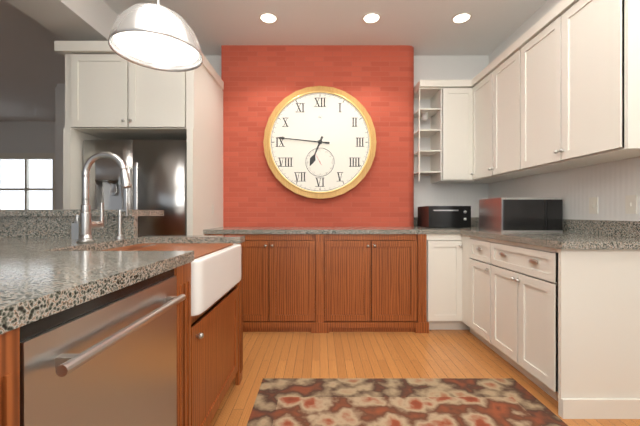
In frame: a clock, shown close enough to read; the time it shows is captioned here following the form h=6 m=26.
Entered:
h=6 m=46
